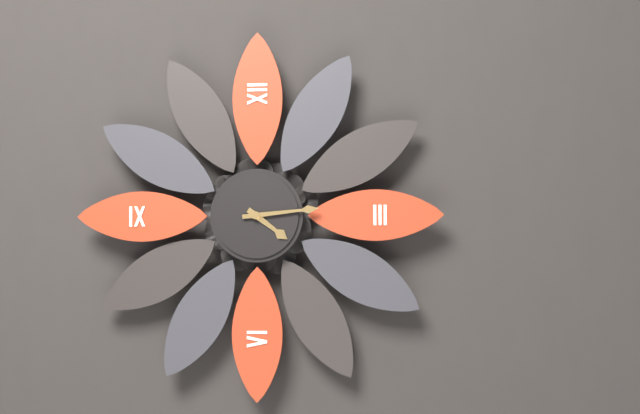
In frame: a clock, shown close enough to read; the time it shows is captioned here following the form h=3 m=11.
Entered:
h=4 m=14
